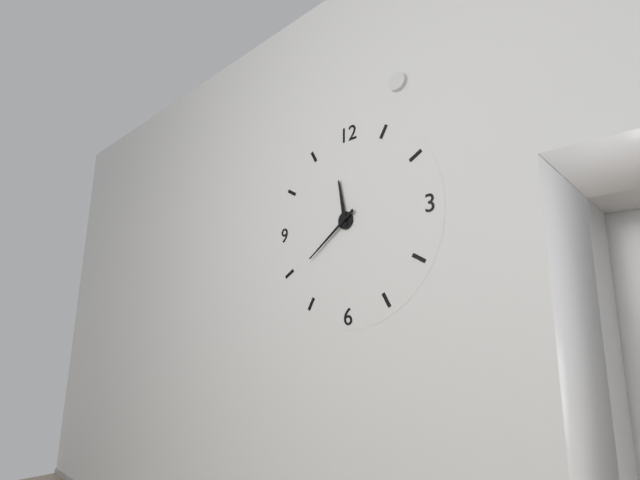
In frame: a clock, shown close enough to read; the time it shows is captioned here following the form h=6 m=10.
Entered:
h=11 m=39
